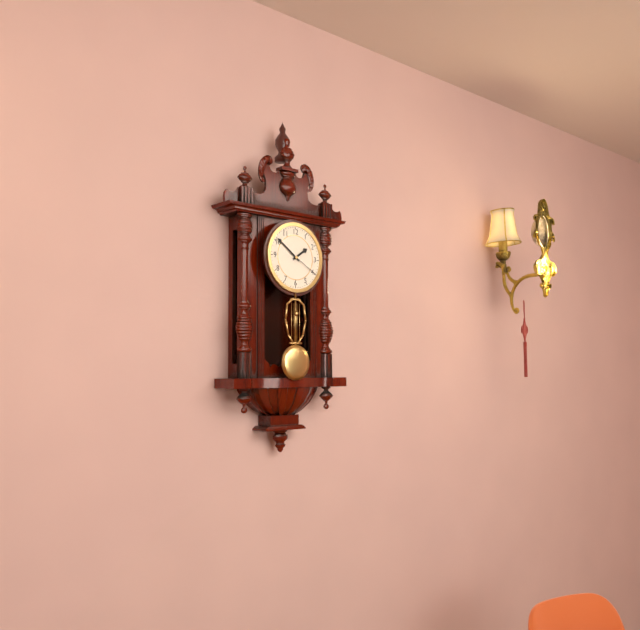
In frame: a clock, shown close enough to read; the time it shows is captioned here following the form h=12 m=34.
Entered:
h=1 m=51
